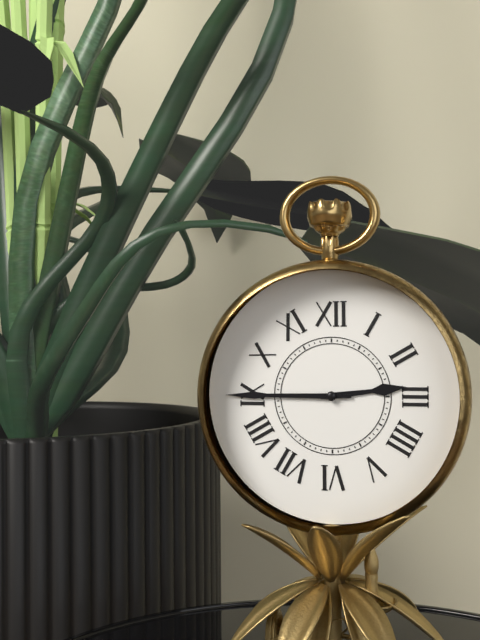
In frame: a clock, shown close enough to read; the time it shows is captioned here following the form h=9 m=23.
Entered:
h=2 m=45
